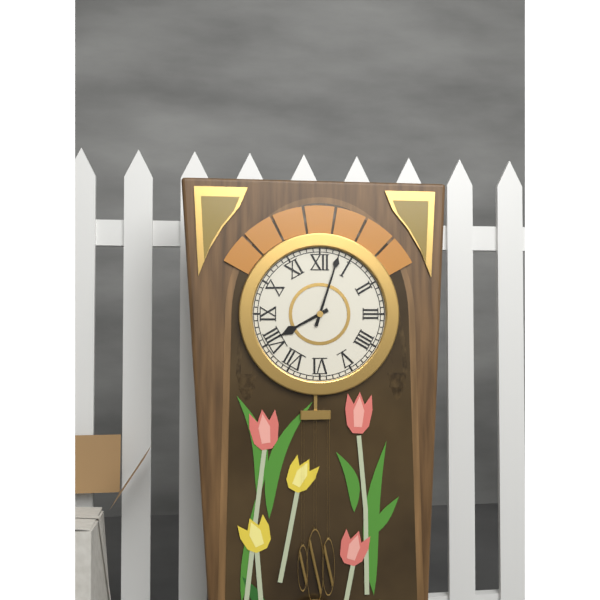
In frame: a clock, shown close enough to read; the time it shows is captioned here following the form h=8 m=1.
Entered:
h=8 m=3
